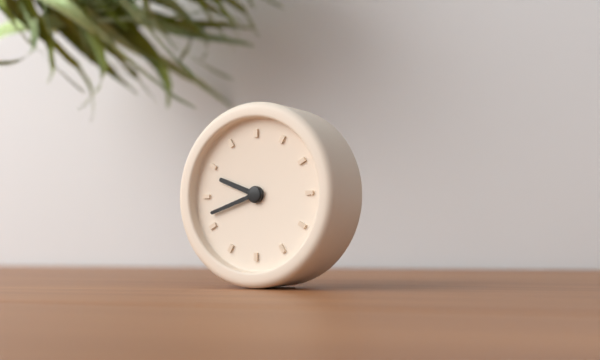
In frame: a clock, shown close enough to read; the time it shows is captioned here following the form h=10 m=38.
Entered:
h=9 m=42
